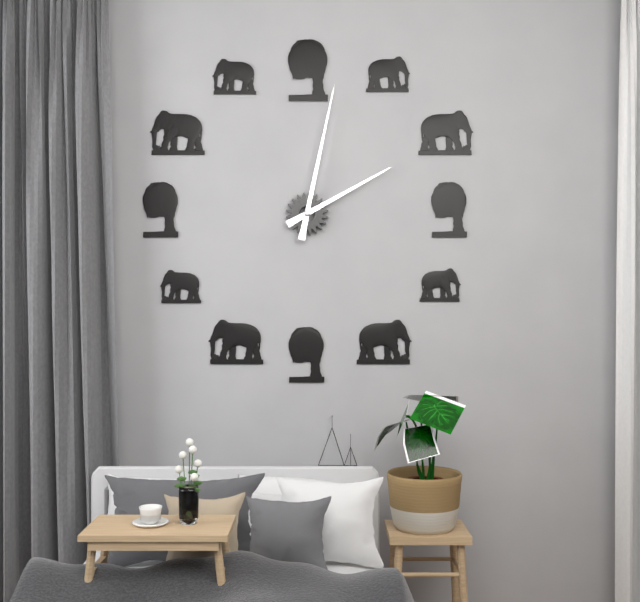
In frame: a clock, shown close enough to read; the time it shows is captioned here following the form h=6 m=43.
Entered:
h=2 m=2
